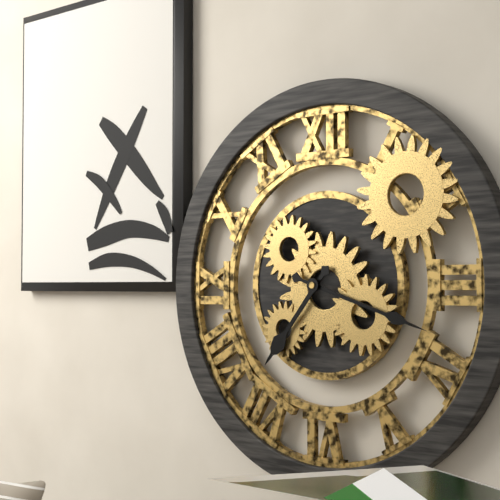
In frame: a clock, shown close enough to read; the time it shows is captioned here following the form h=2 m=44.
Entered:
h=7 m=18
